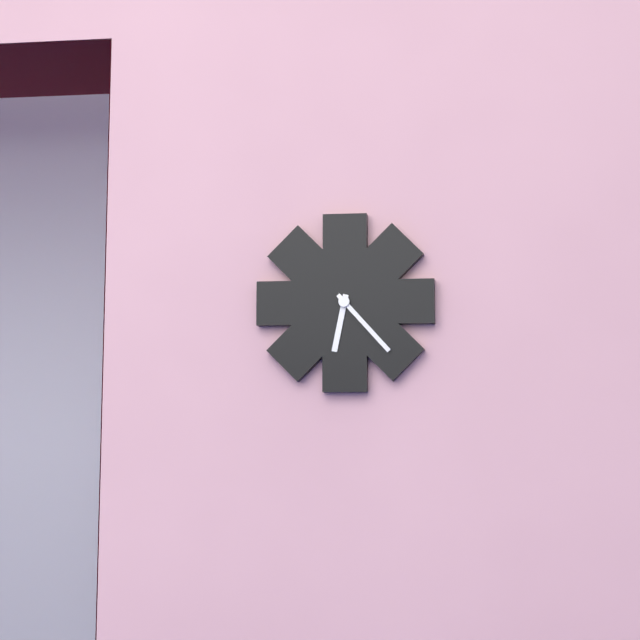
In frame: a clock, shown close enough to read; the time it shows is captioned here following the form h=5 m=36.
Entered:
h=6 m=23
